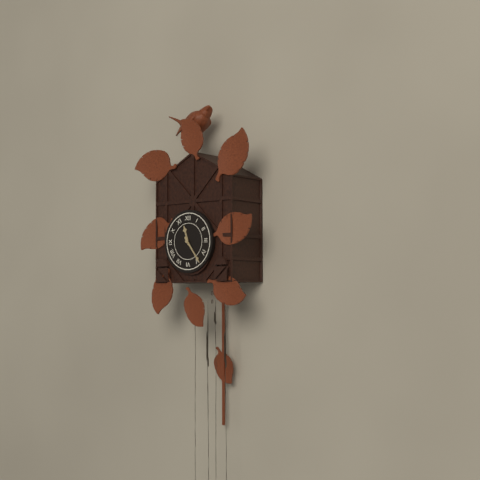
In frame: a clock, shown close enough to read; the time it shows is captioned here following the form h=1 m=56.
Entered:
h=11 m=24
